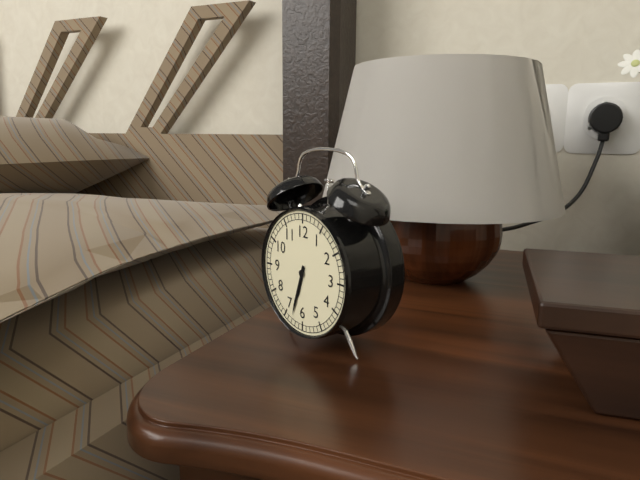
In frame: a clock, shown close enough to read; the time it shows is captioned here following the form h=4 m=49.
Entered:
h=6 m=33
